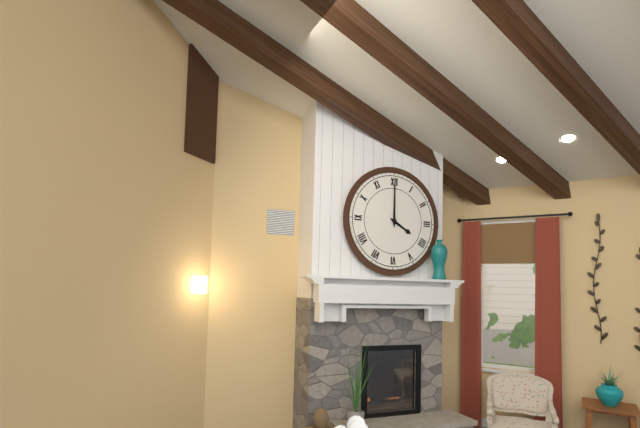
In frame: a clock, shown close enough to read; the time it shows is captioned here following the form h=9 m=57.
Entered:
h=4 m=0
